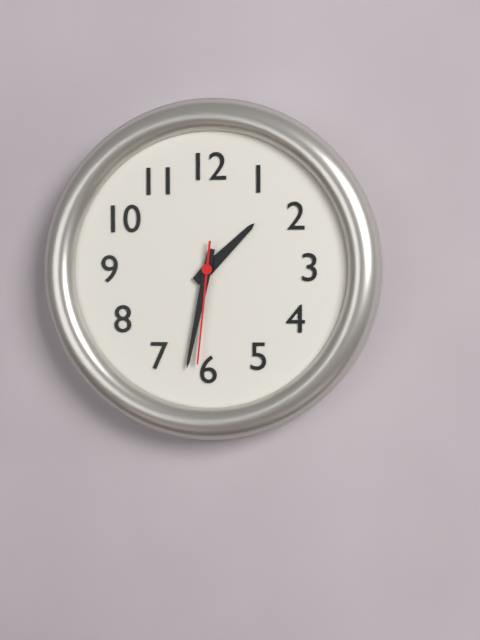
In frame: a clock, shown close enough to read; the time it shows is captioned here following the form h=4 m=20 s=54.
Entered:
h=1 m=32 s=31
